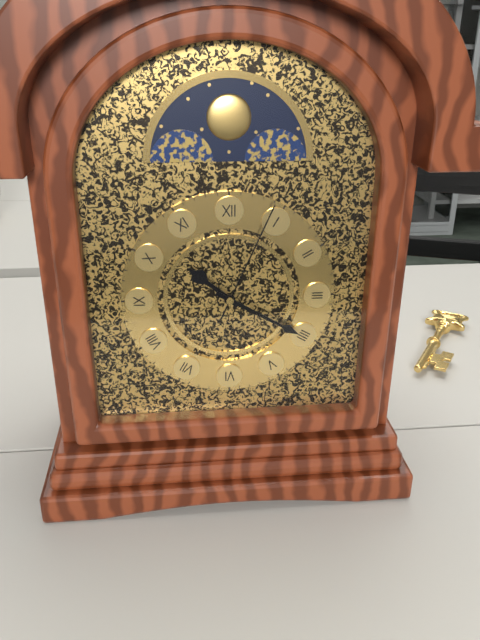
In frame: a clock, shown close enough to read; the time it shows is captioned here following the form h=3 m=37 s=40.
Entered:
h=10 m=20 s=4
